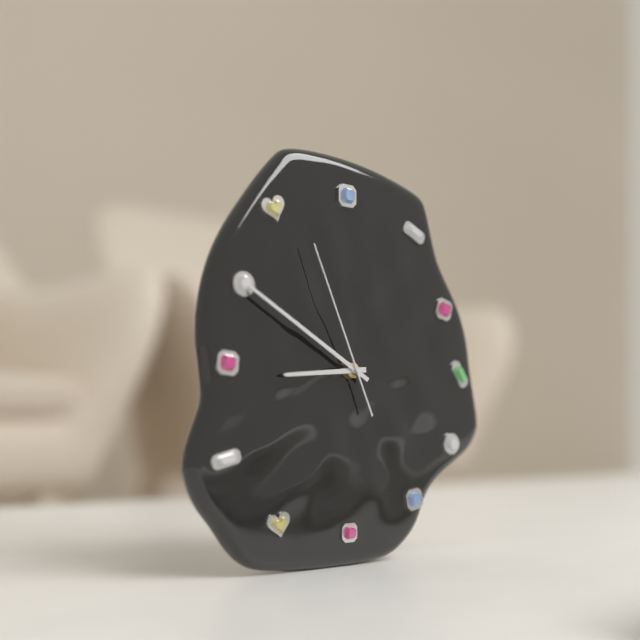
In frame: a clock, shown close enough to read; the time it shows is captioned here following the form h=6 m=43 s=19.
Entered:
h=8 m=50 s=56
